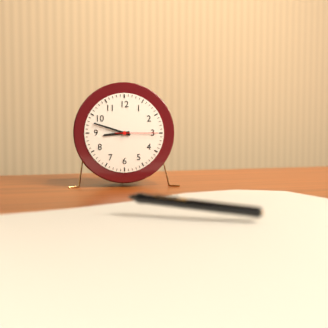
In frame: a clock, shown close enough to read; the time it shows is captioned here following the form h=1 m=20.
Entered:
h=8 m=48
